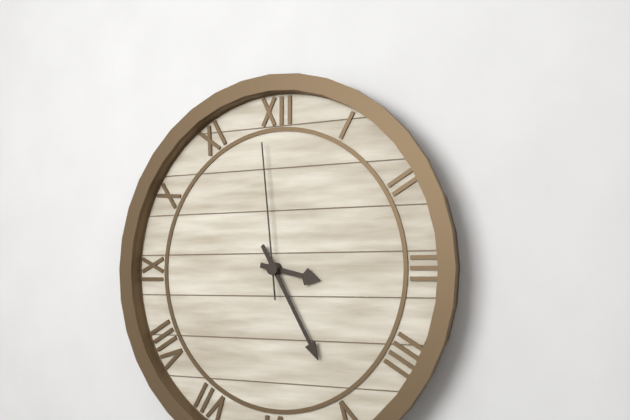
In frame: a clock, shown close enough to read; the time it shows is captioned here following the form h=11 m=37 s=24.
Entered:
h=3 m=25 s=59
